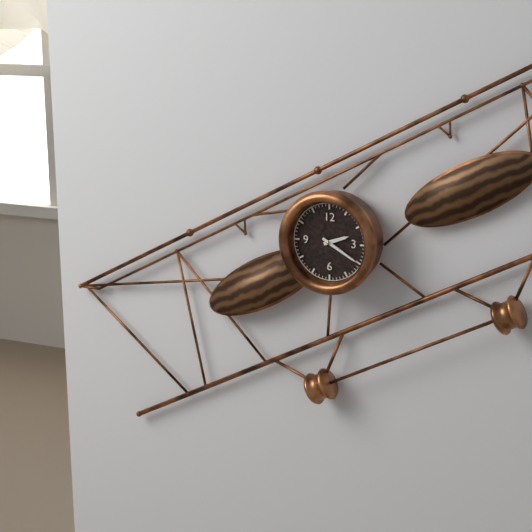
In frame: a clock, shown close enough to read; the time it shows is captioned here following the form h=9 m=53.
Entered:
h=2 m=20
